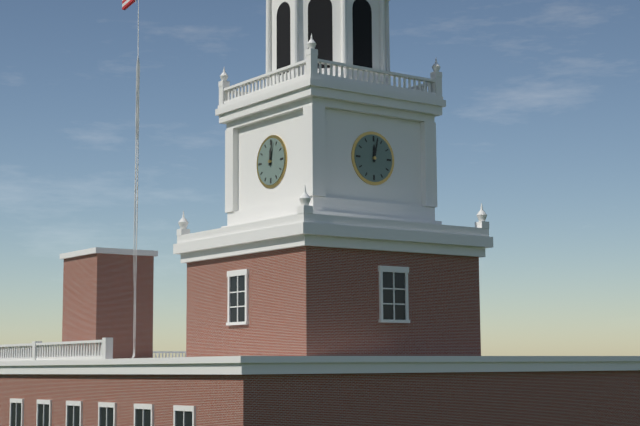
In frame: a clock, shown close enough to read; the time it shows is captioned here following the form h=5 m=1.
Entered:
h=12 m=2
